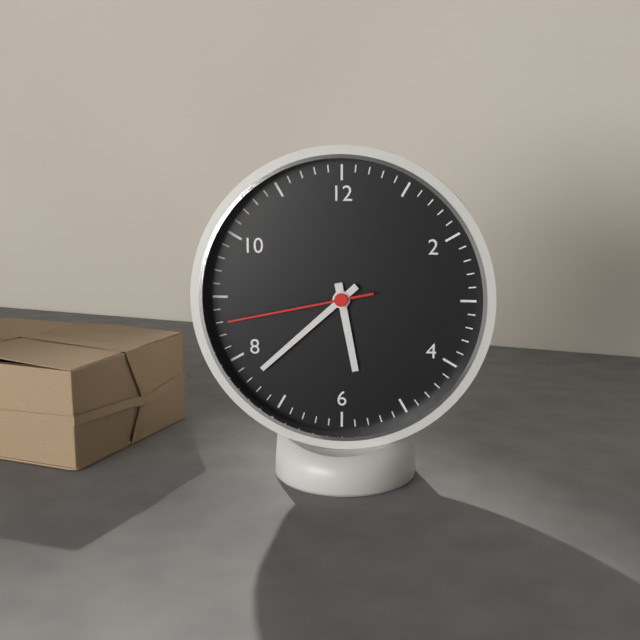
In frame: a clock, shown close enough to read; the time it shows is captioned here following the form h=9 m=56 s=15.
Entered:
h=5 m=38 s=43
